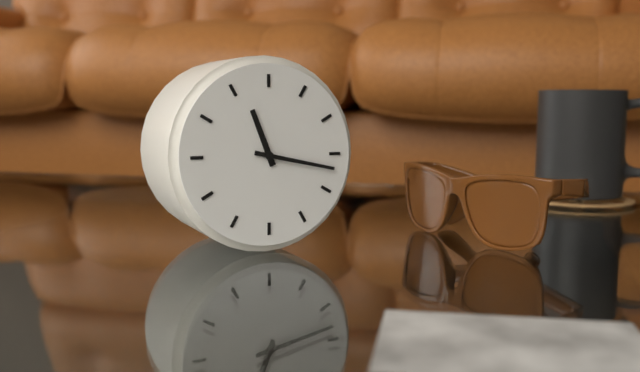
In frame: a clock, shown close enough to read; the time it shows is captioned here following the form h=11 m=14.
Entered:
h=11 m=17
